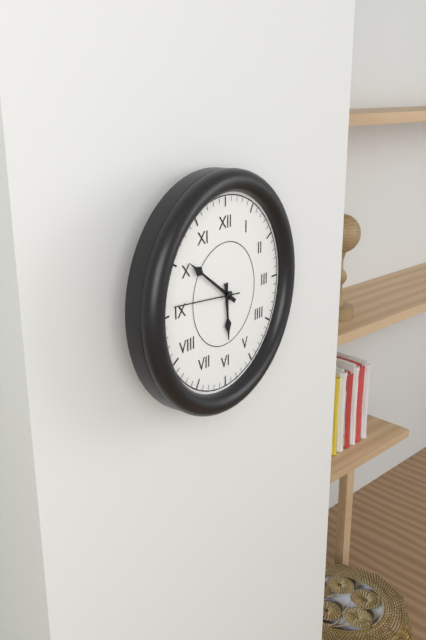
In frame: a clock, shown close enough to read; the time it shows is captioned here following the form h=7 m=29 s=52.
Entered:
h=5 m=51 s=46
